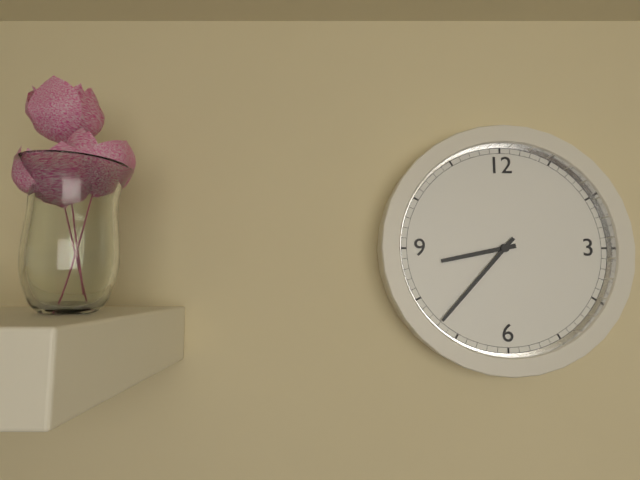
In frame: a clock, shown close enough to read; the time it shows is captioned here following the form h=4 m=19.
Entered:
h=8 m=37
